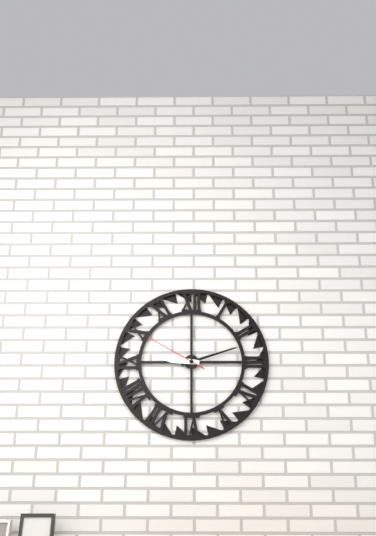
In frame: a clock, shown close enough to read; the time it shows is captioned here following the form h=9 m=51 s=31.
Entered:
h=9 m=12 s=50
